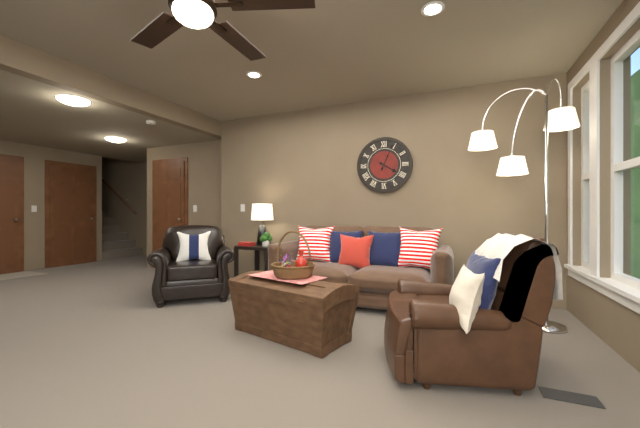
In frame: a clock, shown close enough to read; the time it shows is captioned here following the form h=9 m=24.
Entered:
h=4 m=4
